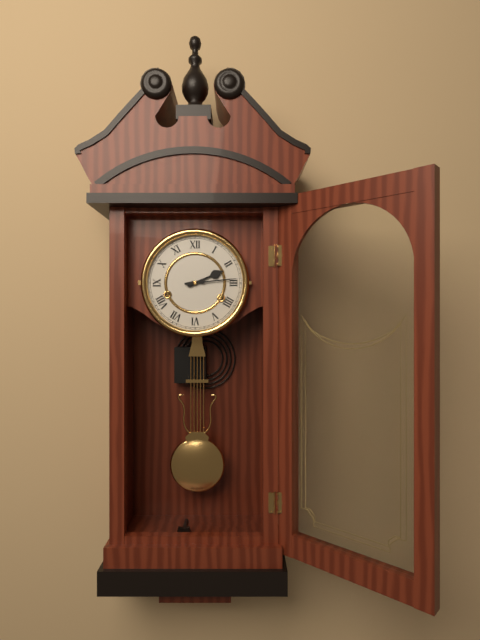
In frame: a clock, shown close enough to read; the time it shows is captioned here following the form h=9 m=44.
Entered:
h=2 m=14
